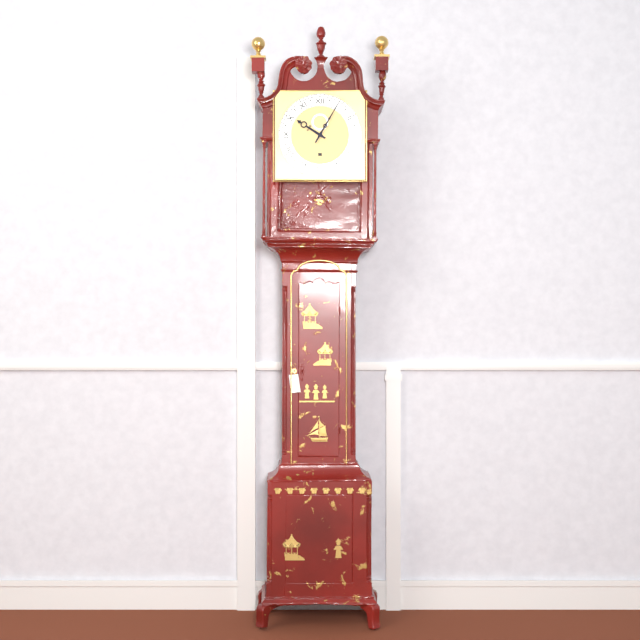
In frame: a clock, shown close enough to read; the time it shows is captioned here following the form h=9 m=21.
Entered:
h=10 m=5
